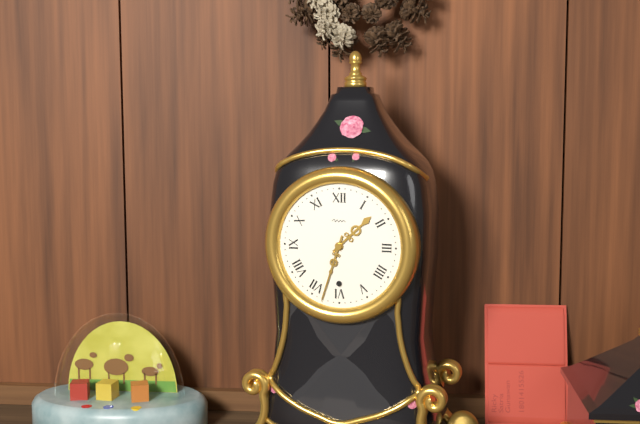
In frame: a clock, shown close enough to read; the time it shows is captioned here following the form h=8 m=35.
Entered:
h=1 m=33
